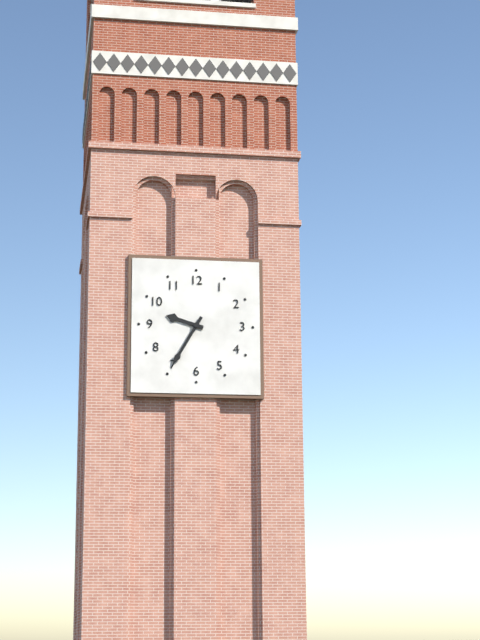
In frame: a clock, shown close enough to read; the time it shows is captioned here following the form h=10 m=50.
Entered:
h=9 m=35
